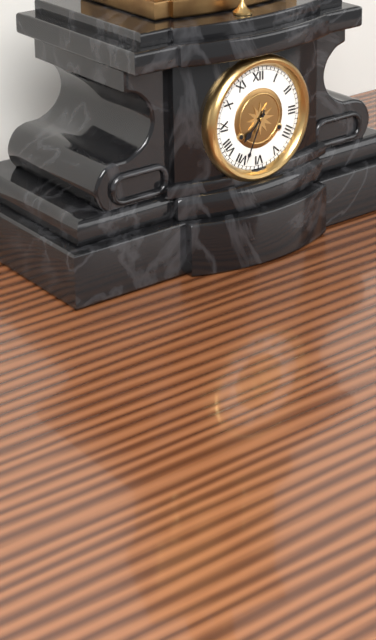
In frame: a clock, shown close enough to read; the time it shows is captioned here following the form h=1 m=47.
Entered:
h=7 m=34
